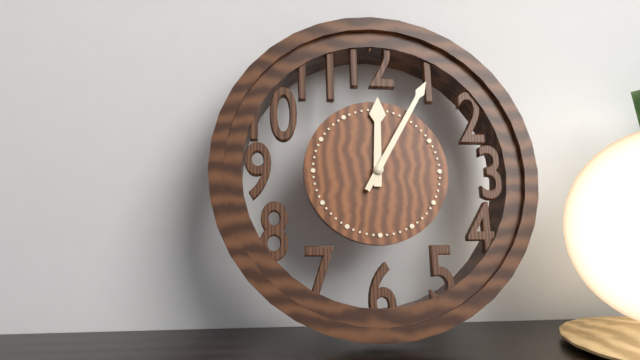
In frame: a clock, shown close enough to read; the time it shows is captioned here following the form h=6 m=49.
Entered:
h=12 m=5
